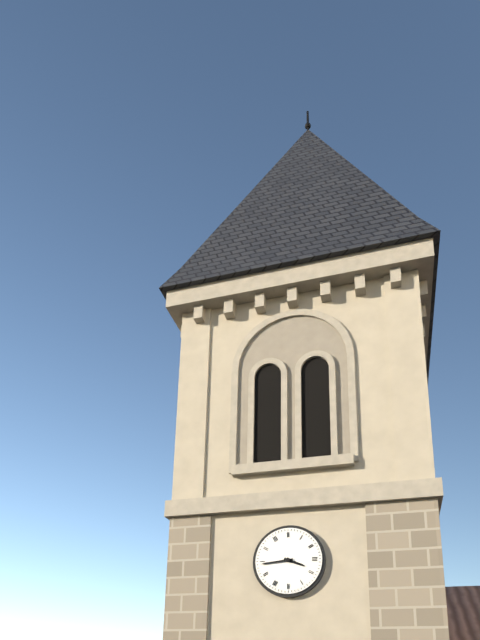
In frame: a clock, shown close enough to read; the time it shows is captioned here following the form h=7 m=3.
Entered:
h=3 m=44
